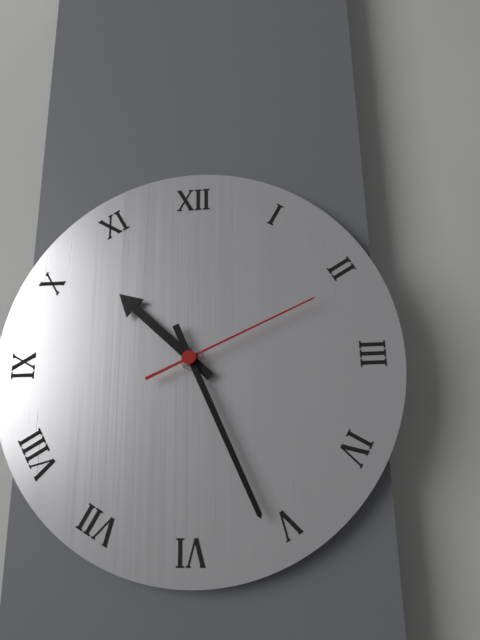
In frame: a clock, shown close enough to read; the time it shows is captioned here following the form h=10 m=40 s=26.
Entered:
h=10 m=26 s=11
